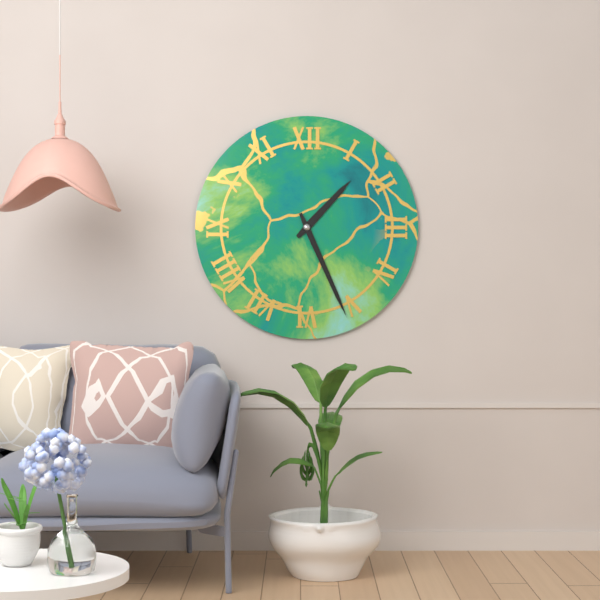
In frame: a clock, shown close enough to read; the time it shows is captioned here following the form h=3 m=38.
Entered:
h=1 m=26
